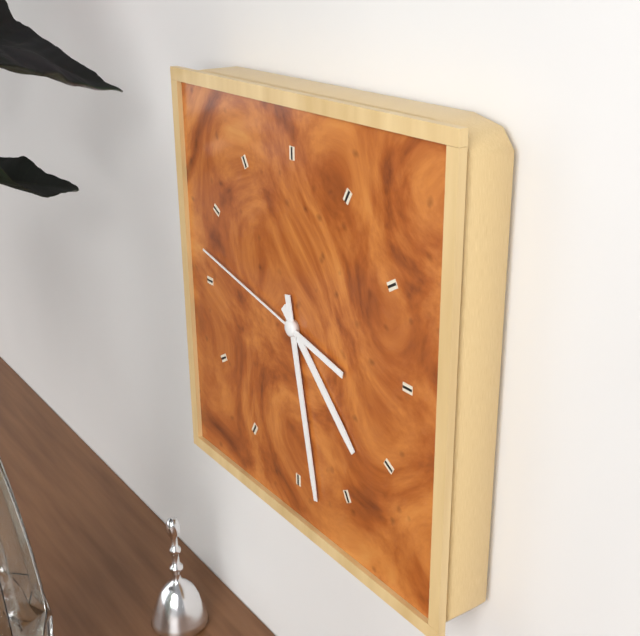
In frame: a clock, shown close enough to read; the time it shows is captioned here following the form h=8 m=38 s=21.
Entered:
h=4 m=28 s=47
